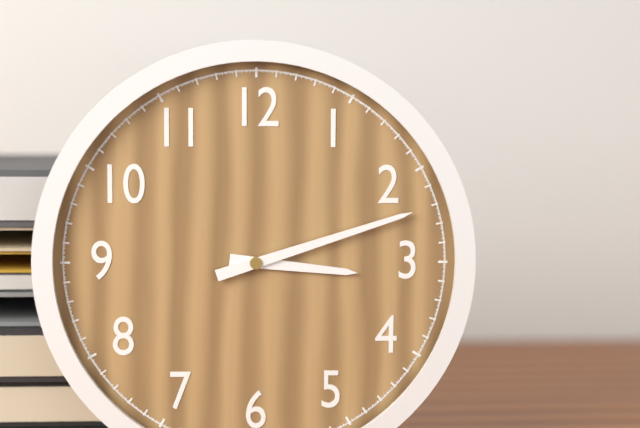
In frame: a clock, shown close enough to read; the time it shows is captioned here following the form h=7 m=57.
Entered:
h=3 m=12
